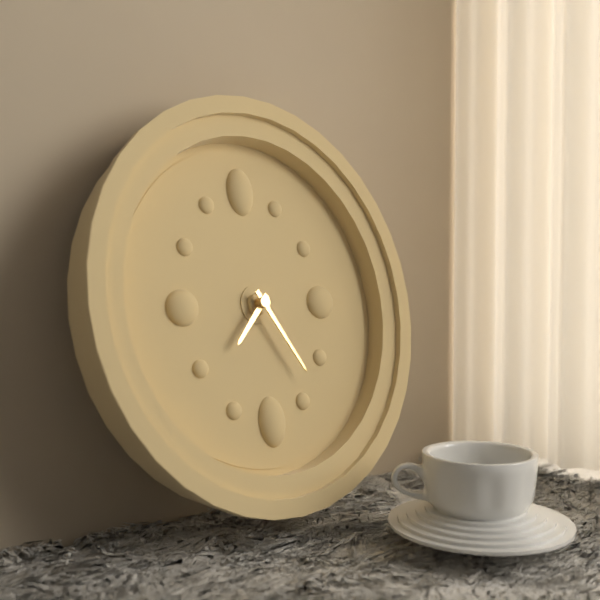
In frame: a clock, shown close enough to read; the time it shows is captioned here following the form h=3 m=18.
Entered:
h=7 m=25
